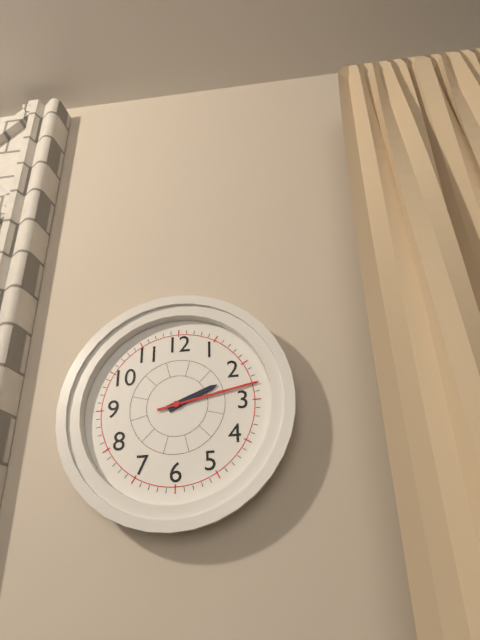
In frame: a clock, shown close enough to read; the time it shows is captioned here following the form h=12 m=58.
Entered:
h=2 m=13
